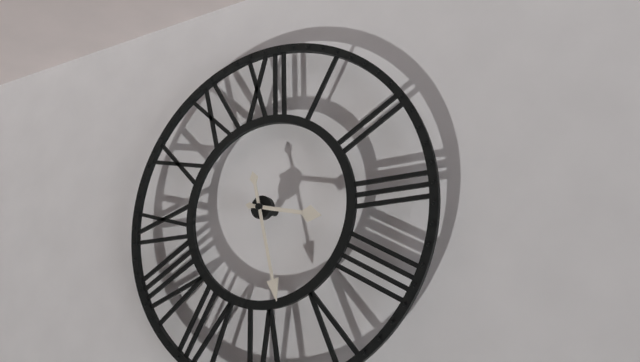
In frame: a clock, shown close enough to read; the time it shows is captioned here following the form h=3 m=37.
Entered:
h=3 m=28
